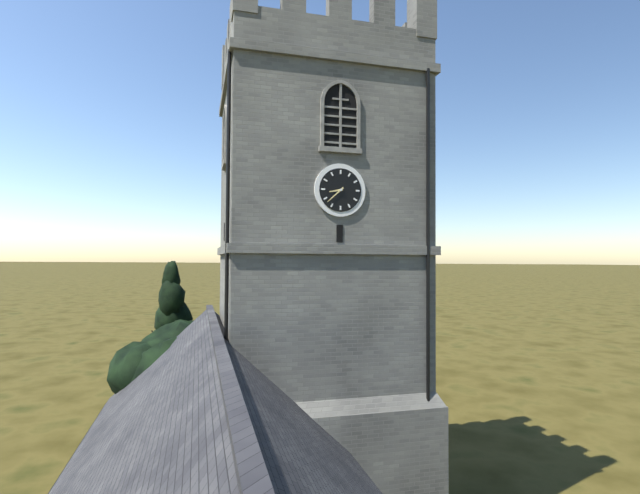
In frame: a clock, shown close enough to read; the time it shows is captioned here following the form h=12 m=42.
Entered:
h=8 m=38
